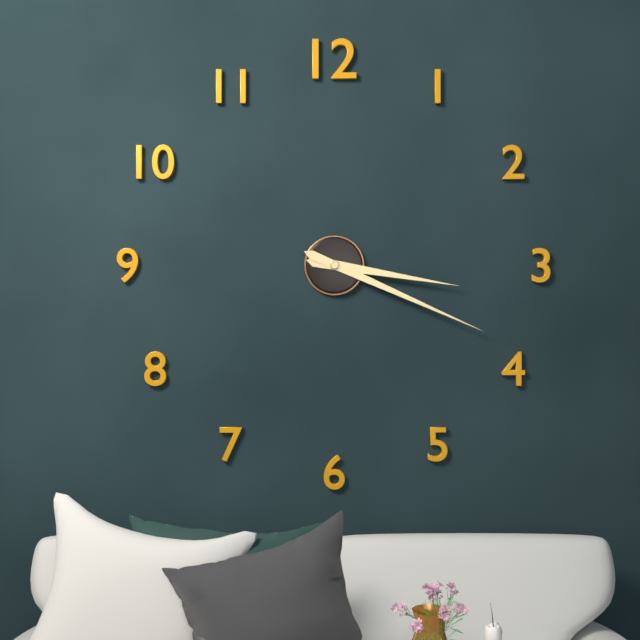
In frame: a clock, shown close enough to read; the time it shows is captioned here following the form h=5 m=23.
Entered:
h=3 m=19
